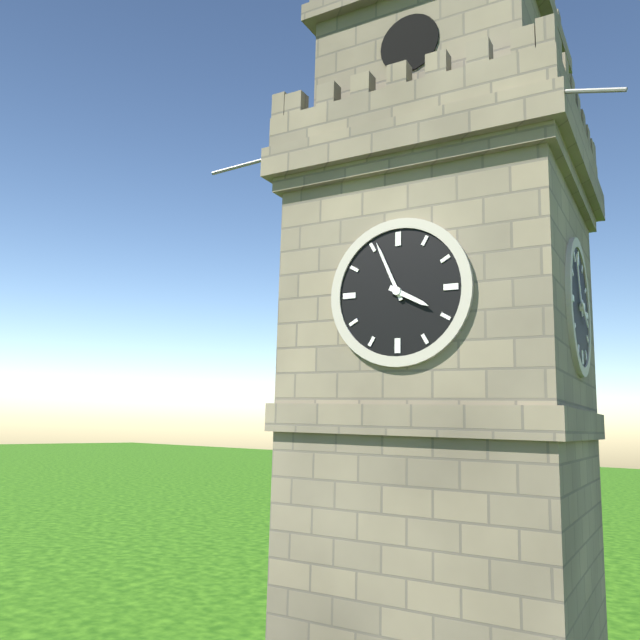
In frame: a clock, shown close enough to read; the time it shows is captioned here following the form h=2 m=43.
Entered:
h=3 m=56
